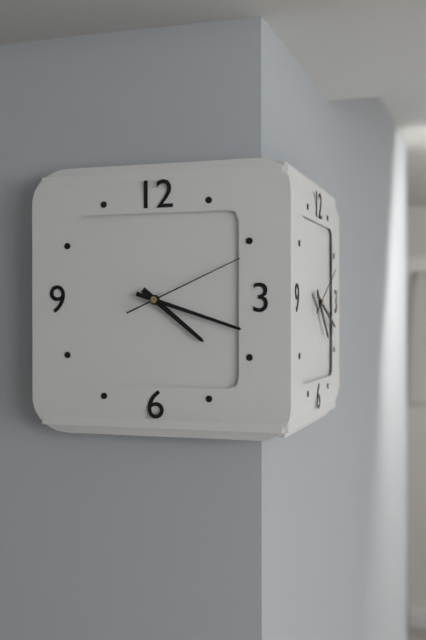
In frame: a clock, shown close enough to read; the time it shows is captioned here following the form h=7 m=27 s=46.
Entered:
h=4 m=18 s=11
